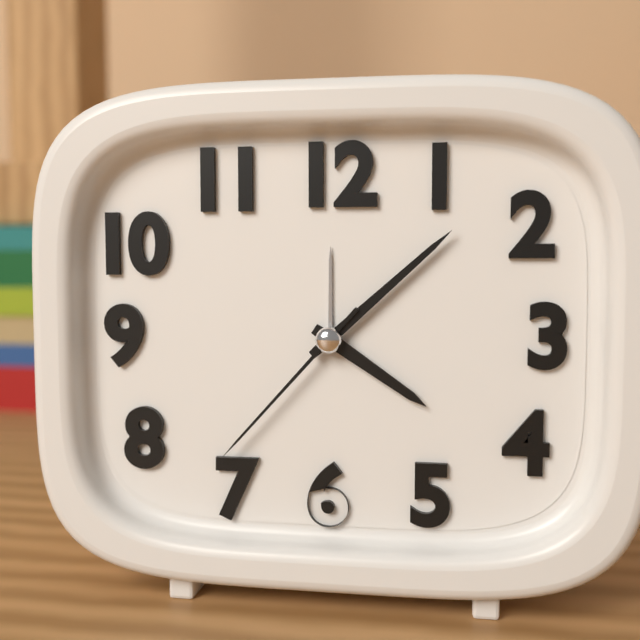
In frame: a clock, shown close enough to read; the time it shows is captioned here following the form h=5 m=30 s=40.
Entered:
h=4 m=8 s=37
